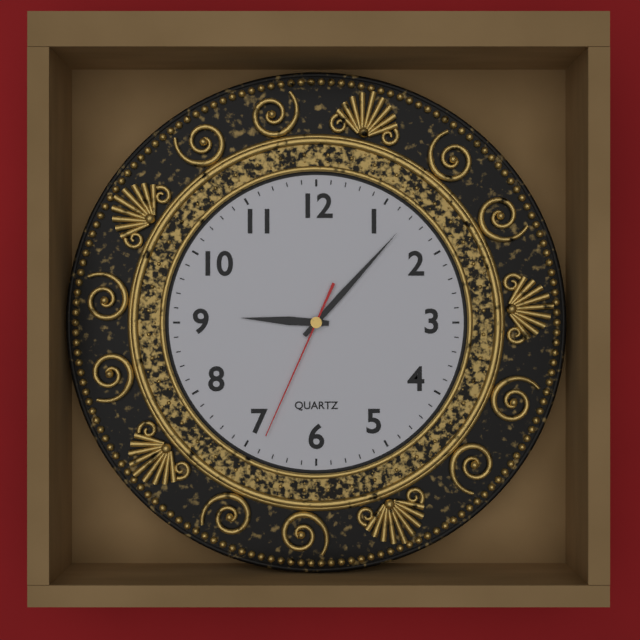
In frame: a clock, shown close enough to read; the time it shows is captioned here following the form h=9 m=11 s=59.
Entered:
h=9 m=7 s=34
